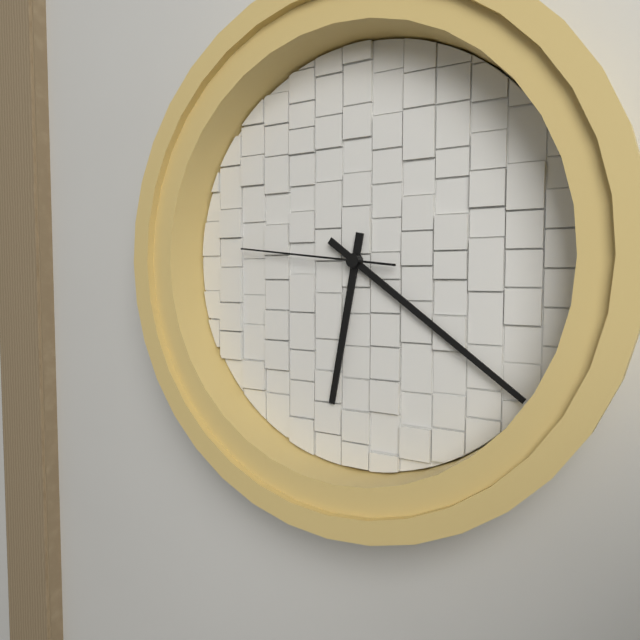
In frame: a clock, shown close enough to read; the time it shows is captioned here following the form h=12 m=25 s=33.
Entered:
h=6 m=21 s=46
